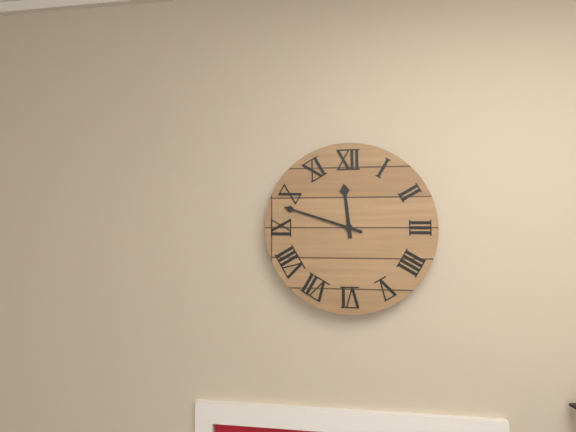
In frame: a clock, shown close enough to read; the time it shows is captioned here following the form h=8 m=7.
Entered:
h=11 m=48
